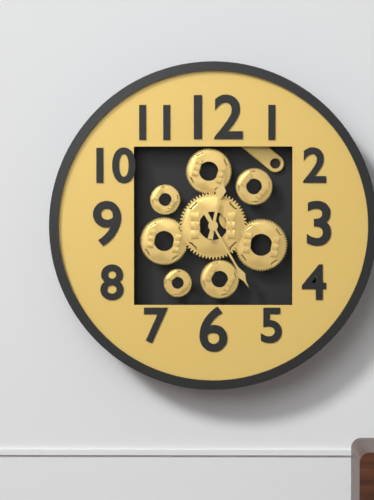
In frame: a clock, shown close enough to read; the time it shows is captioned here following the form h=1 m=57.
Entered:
h=12 m=25
